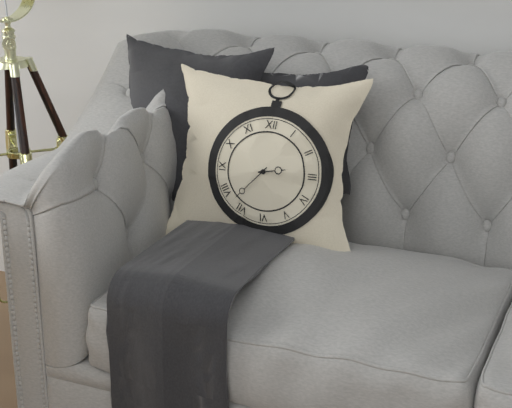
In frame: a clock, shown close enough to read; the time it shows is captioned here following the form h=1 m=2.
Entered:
h=2 m=37
